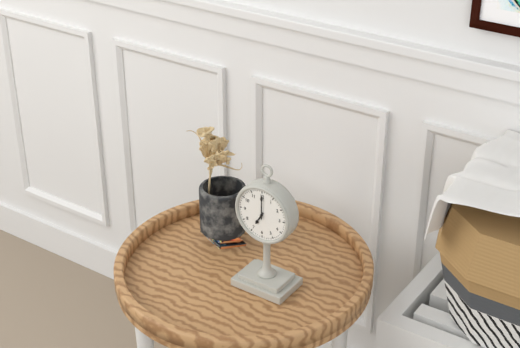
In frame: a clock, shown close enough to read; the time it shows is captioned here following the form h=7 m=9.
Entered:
h=7 m=0
